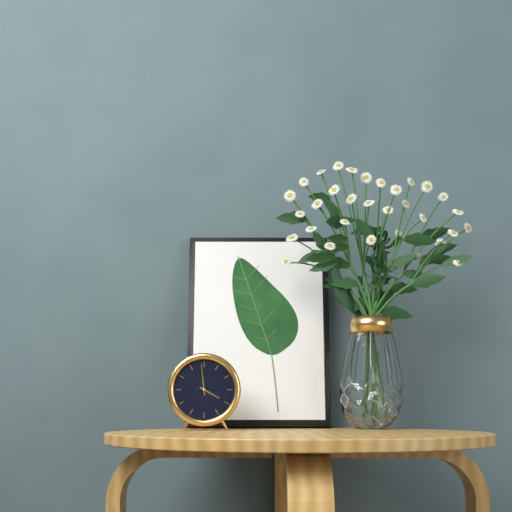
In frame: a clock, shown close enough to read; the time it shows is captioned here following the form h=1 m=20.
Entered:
h=3 m=59
